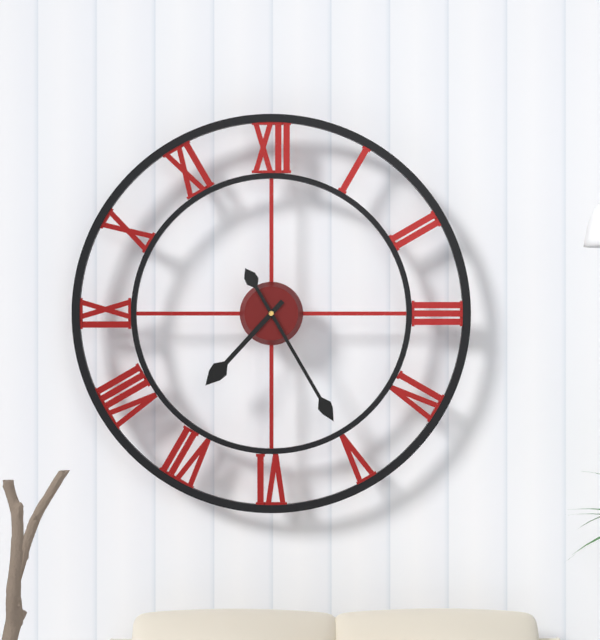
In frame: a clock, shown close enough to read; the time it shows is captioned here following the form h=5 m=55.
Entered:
h=7 m=25
